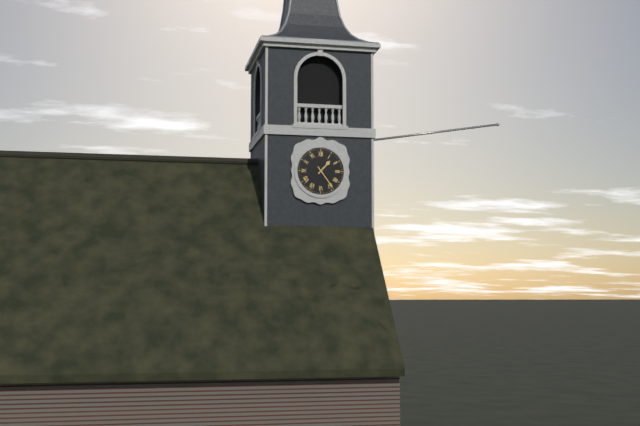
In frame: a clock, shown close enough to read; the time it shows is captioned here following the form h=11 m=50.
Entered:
h=1 m=24
